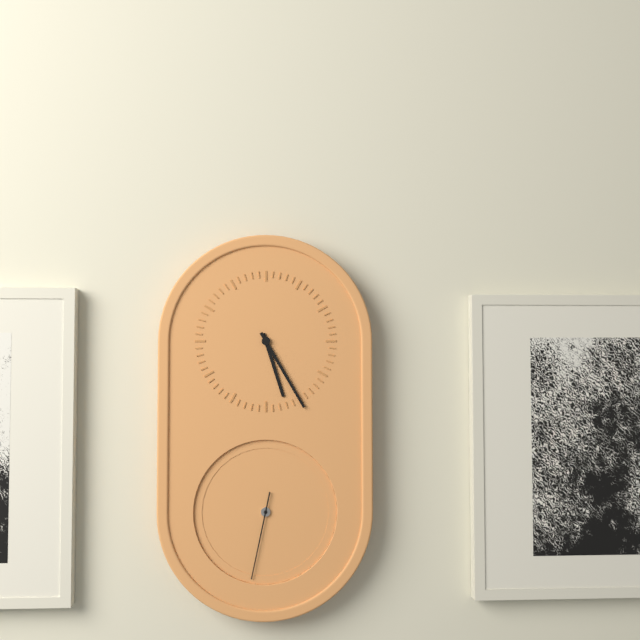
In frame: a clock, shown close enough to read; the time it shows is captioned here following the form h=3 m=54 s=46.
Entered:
h=5 m=25 s=32
